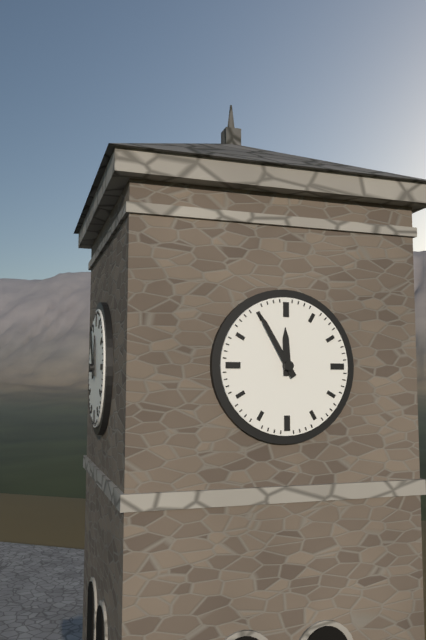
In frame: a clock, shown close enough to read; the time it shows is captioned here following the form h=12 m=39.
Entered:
h=11 m=55
